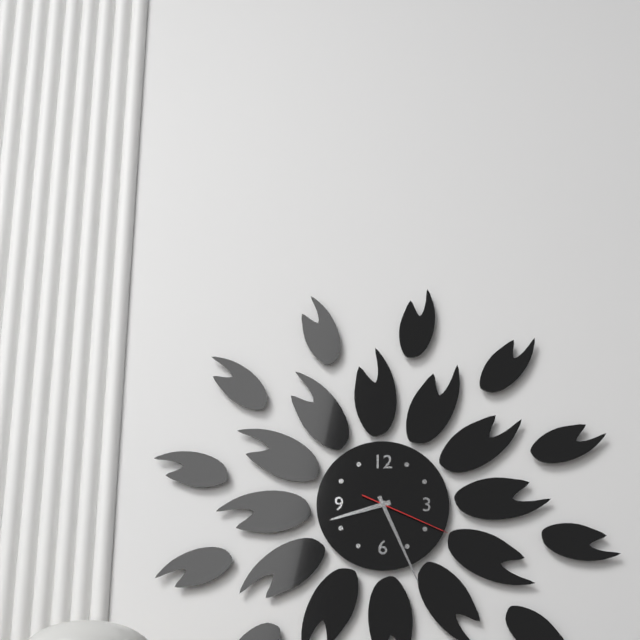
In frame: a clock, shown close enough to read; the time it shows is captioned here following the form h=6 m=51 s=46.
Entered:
h=8 m=26 s=19
